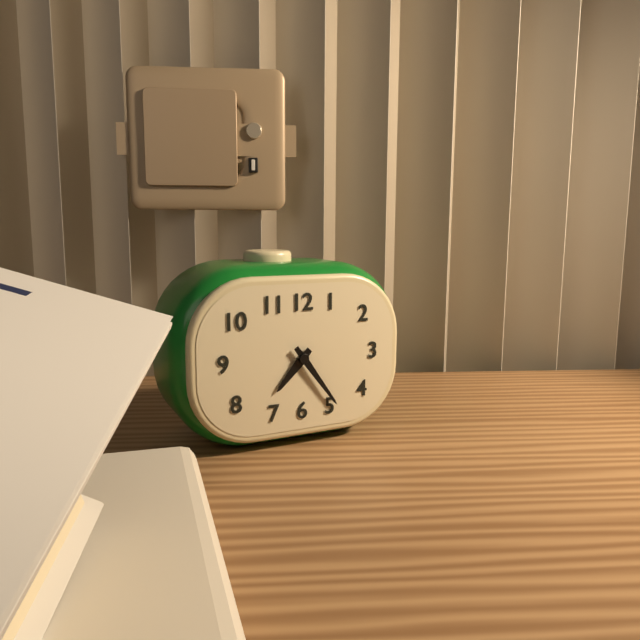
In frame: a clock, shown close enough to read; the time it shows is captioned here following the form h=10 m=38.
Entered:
h=7 m=24
